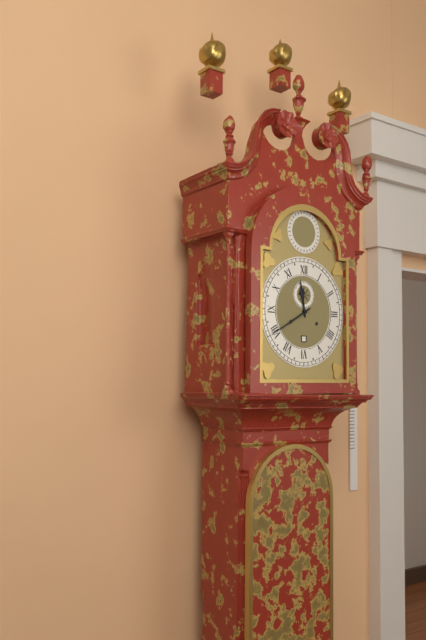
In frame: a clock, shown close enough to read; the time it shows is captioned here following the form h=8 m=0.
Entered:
h=11 m=40
